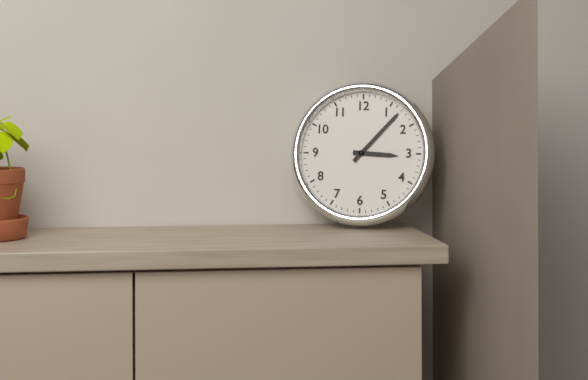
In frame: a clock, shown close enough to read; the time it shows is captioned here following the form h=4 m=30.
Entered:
h=3 m=7
